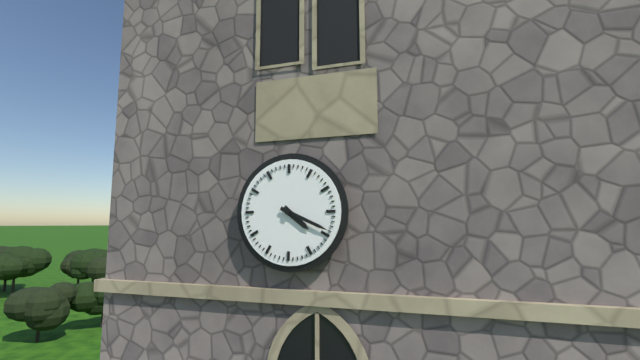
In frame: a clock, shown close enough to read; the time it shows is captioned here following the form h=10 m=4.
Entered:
h=4 m=19
